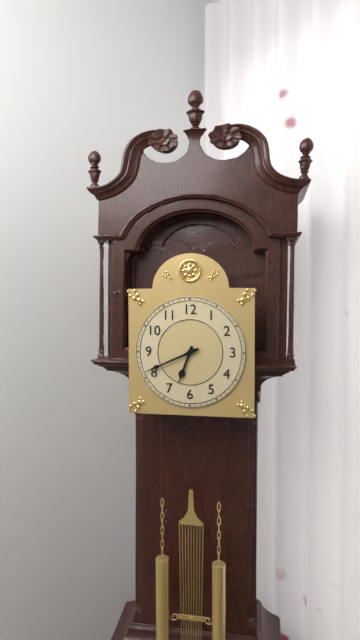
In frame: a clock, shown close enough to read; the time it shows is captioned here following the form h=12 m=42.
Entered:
h=6 m=41
